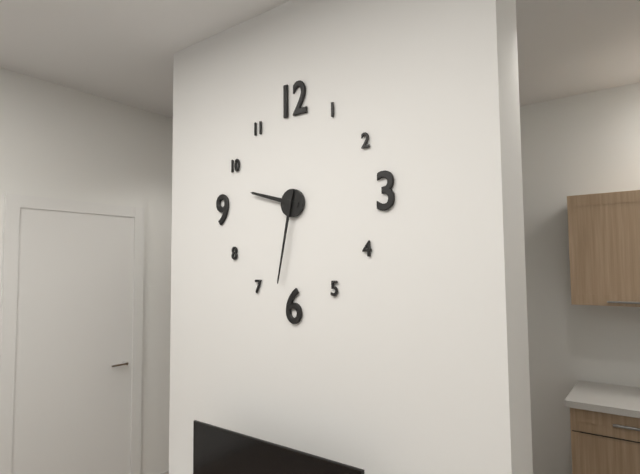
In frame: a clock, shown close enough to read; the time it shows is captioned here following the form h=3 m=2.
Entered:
h=9 m=32
